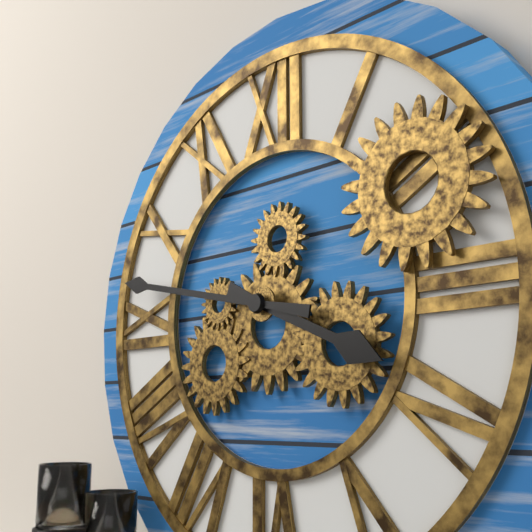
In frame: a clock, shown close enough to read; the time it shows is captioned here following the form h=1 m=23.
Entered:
h=3 m=47
